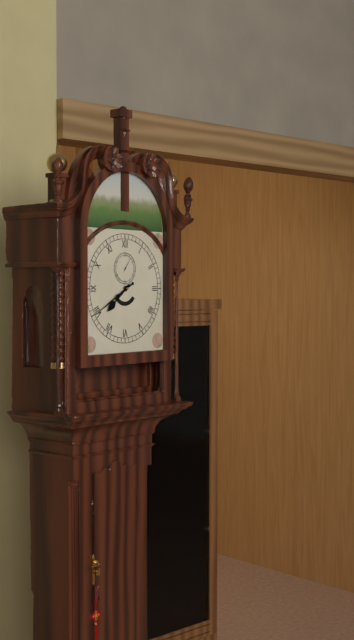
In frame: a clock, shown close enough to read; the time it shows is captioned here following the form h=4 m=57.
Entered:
h=7 m=40
